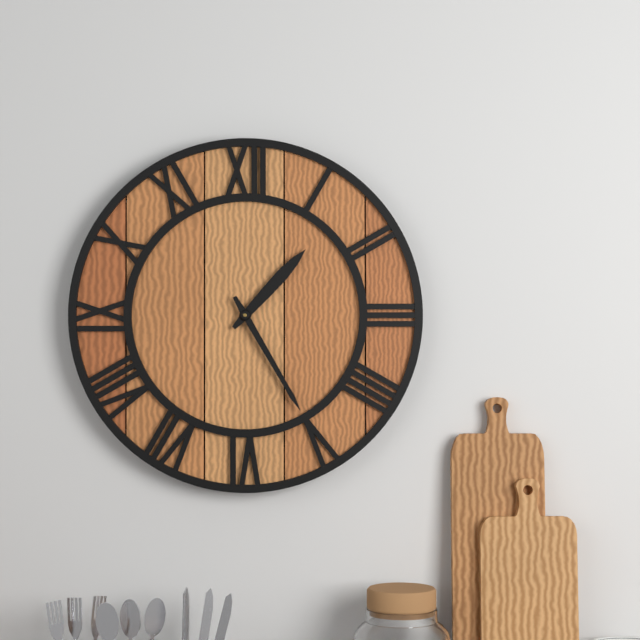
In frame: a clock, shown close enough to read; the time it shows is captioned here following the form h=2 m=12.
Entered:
h=1 m=25
